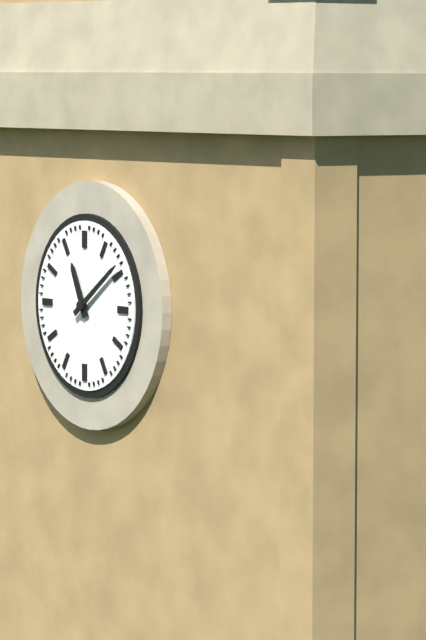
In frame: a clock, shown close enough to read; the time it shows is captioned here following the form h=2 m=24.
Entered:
h=11 m=9
